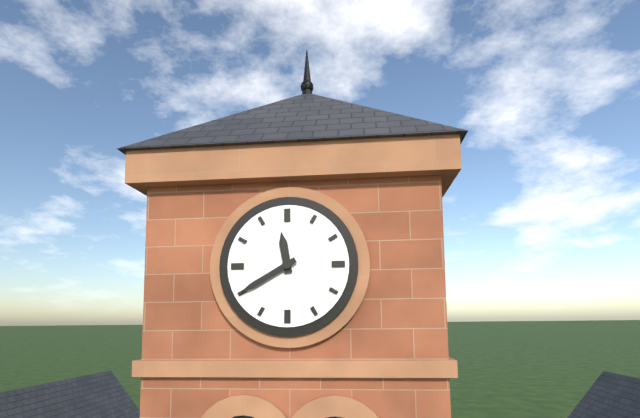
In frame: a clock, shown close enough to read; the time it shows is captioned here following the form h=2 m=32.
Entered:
h=11 m=40
